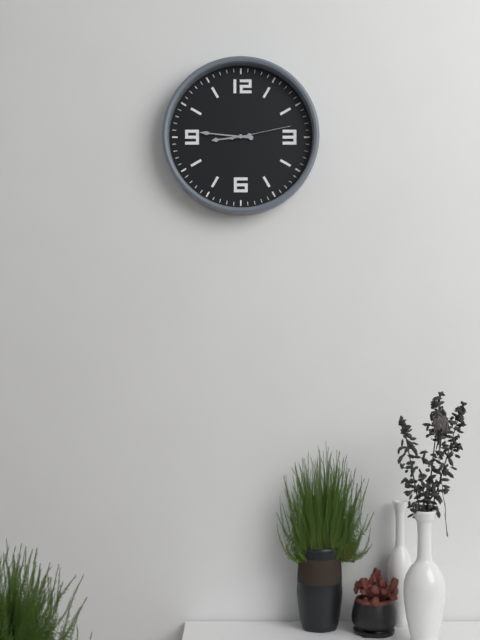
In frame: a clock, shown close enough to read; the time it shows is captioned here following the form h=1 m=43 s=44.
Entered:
h=8 m=46 s=13
